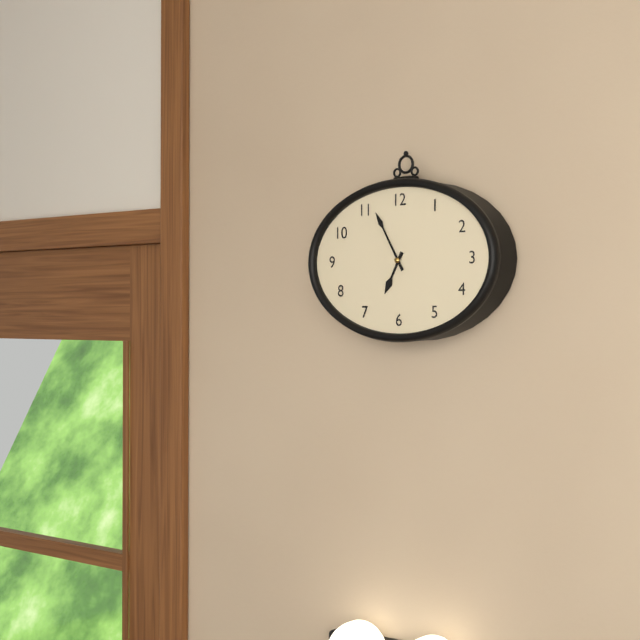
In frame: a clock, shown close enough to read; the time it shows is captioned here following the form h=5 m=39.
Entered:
h=6 m=55
